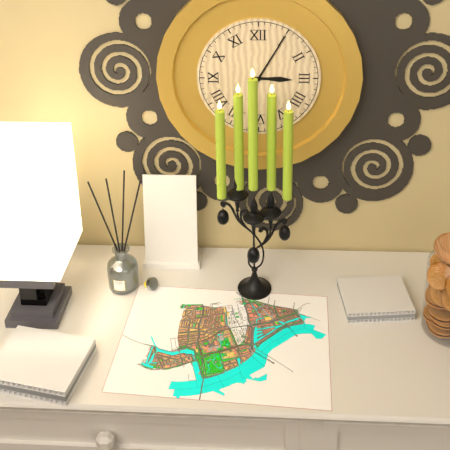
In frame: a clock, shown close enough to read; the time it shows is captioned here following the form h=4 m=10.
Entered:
h=3 m=5
